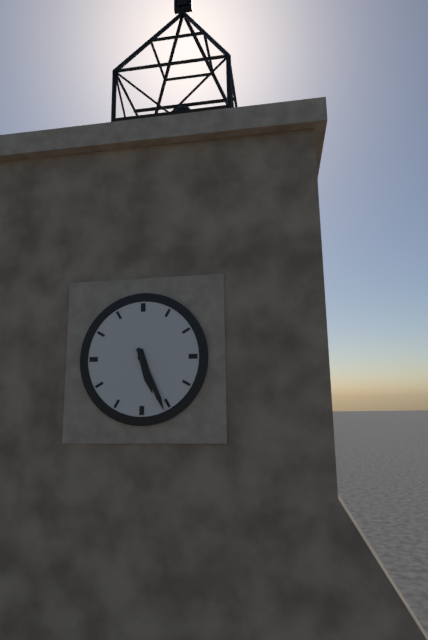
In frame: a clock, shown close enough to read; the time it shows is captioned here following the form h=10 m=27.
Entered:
h=5 m=26
